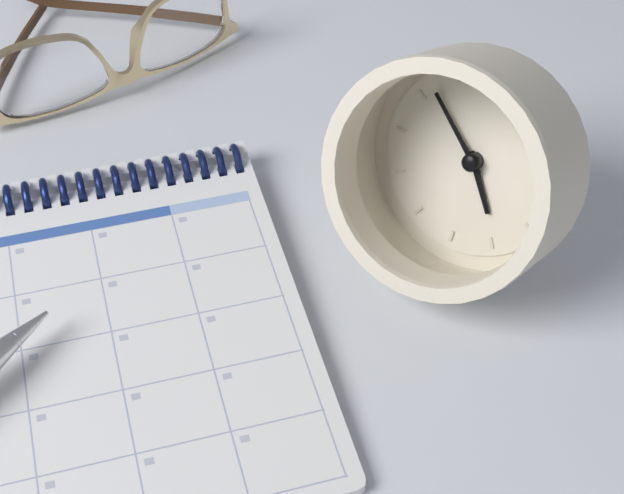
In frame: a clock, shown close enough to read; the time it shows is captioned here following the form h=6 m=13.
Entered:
h=4 m=52
